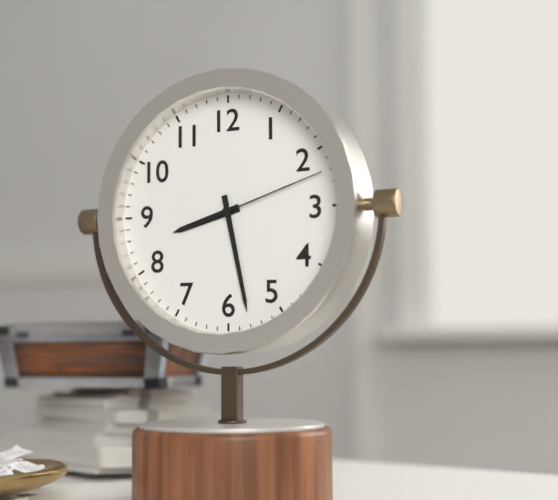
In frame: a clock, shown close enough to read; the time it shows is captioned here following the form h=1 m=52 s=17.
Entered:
h=8 m=28 s=12
